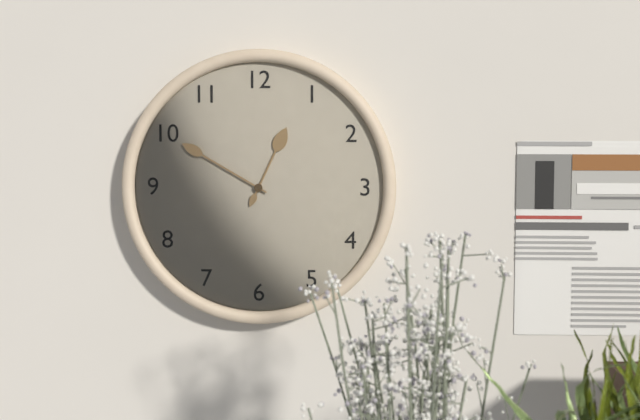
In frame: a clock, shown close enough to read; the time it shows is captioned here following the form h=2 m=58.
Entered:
h=12 m=50
